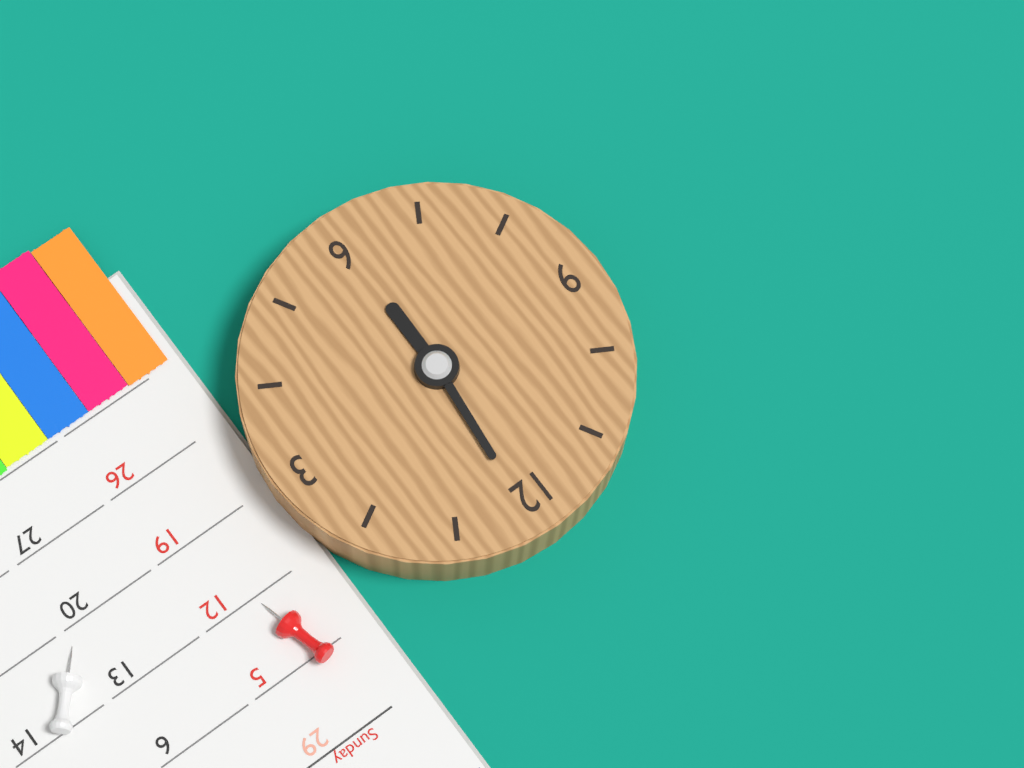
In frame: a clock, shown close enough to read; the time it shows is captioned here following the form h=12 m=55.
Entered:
h=6 m=1
